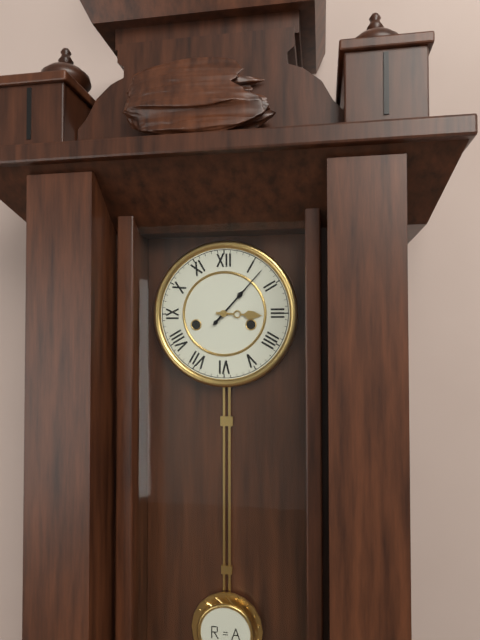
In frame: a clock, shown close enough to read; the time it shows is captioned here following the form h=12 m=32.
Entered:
h=3 m=7
